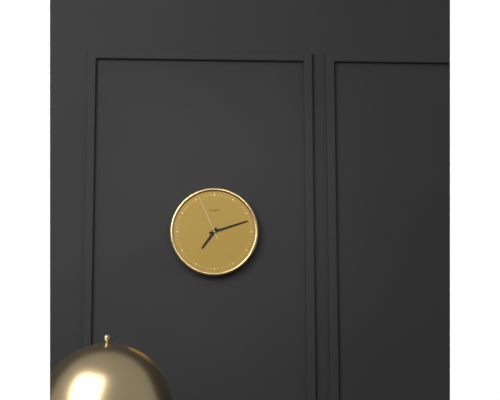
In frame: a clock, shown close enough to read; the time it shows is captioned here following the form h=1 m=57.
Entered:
h=7 m=12
